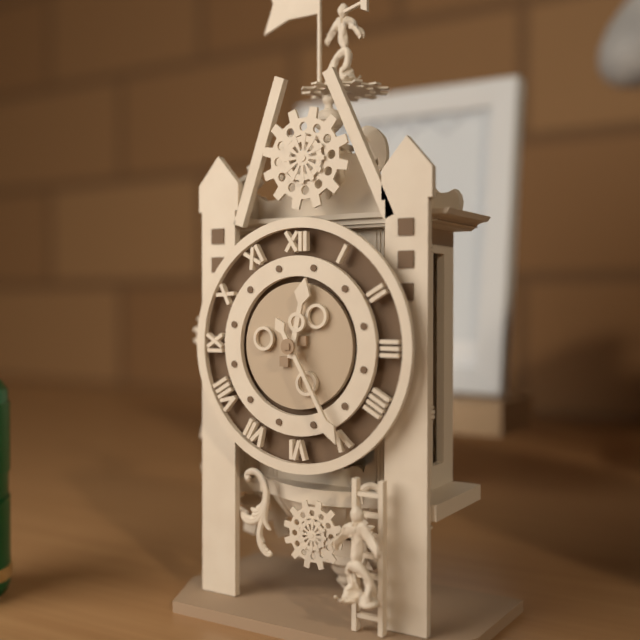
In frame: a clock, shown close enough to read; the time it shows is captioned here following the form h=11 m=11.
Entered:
h=12 m=25
